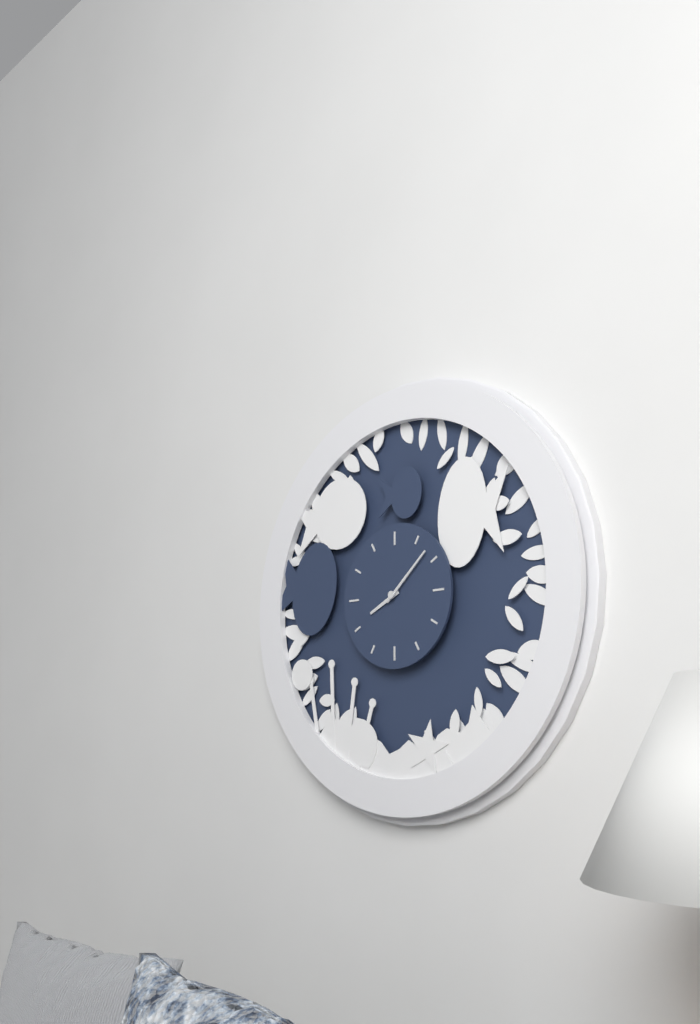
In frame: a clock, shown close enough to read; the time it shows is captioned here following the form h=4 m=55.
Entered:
h=8 m=8
